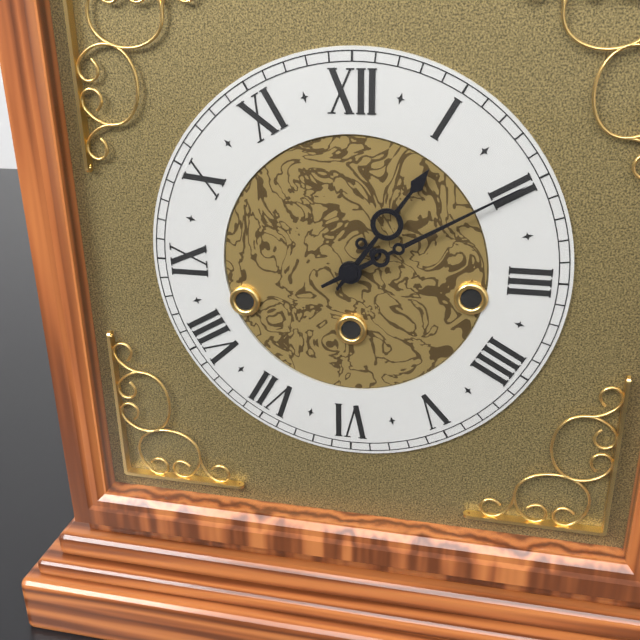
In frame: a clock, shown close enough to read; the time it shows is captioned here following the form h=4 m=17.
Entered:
h=1 m=10
